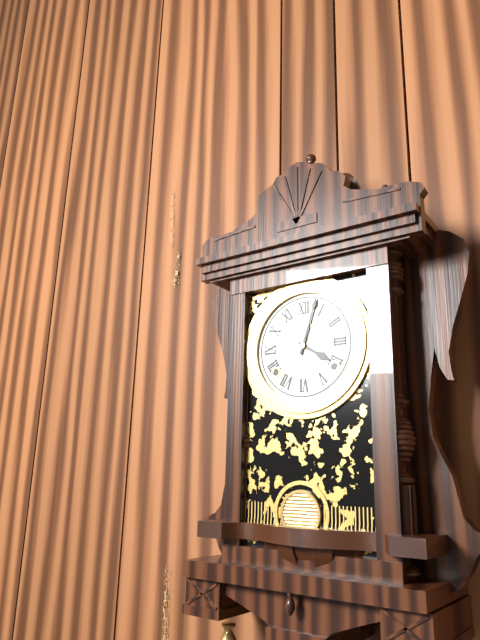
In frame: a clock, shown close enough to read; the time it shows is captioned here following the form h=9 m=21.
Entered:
h=4 m=3
